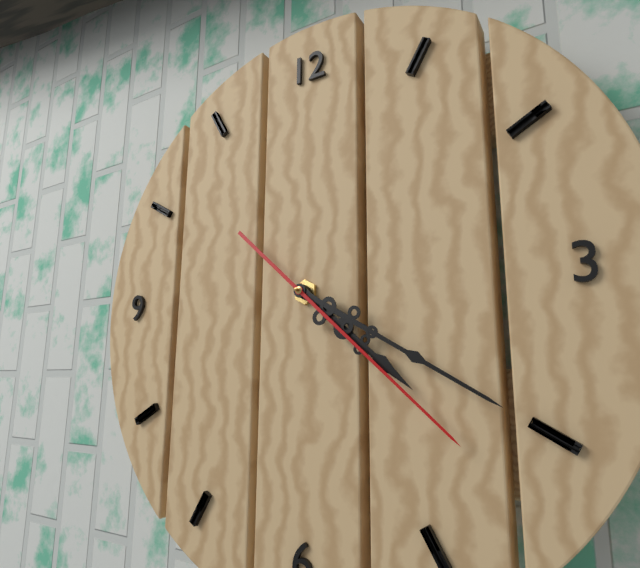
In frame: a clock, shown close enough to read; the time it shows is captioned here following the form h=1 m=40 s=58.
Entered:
h=4 m=20 s=22
